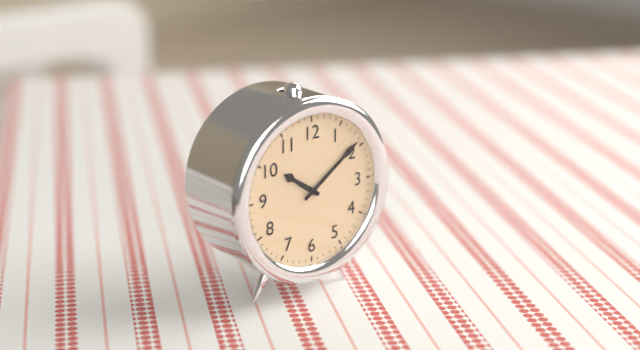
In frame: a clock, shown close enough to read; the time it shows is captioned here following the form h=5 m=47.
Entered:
h=10 m=9
